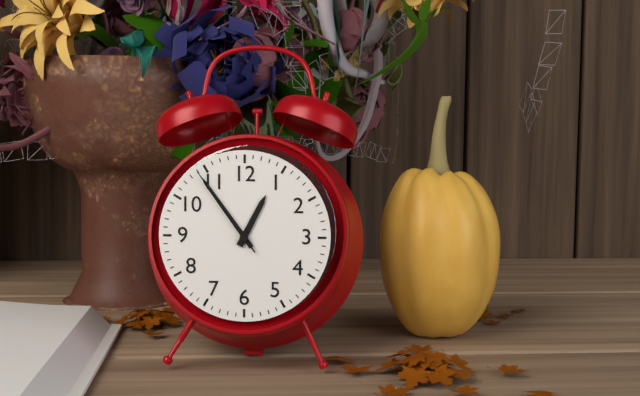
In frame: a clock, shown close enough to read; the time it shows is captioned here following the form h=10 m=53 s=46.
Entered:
h=12 m=54 s=54
